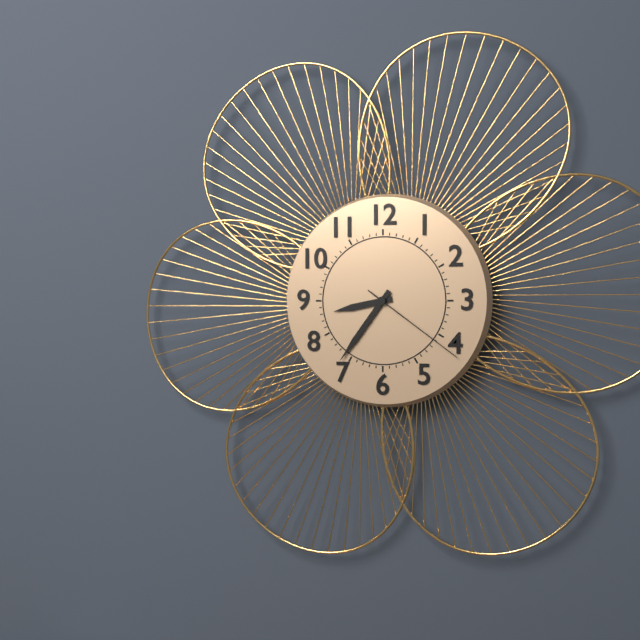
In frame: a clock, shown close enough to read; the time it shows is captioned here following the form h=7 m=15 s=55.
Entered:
h=8 m=36 s=21
